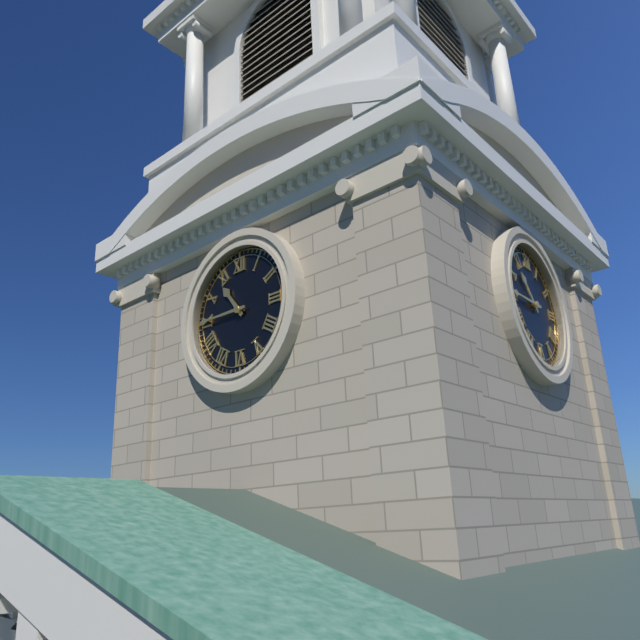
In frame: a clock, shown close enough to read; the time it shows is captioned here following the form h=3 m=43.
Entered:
h=10 m=45
